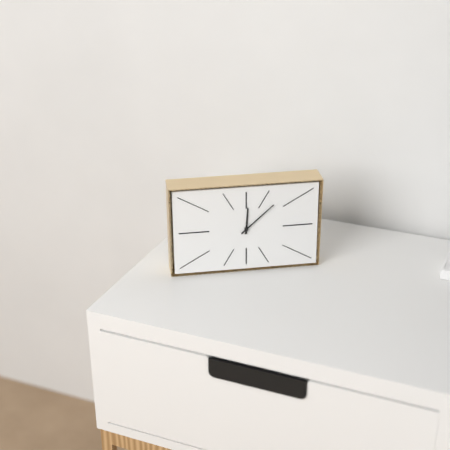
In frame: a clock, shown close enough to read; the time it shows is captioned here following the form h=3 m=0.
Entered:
h=12 m=8
